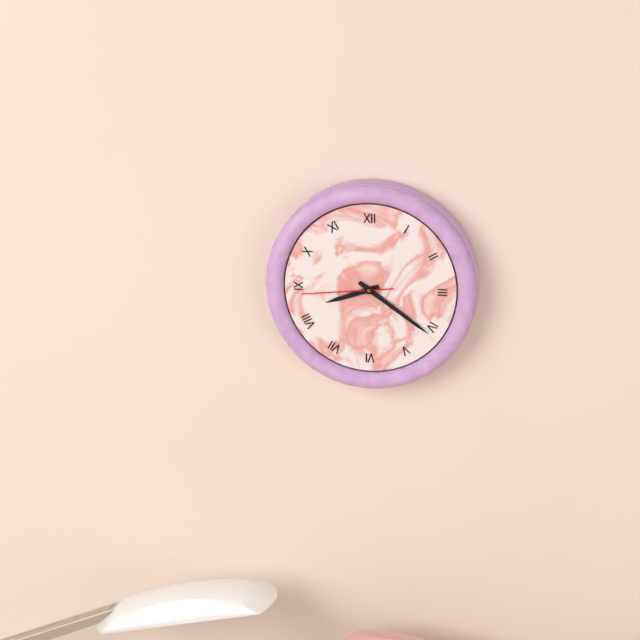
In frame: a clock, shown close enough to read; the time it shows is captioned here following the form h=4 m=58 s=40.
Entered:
h=8 m=21 s=44
